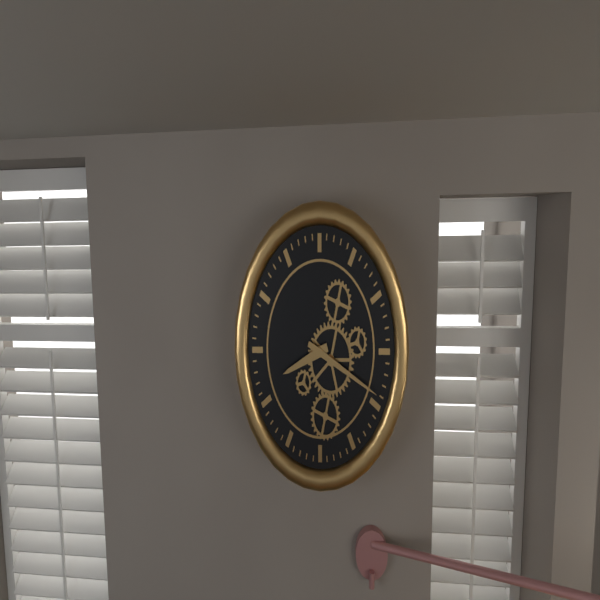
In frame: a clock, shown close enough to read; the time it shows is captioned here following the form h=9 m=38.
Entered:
h=8 m=19
